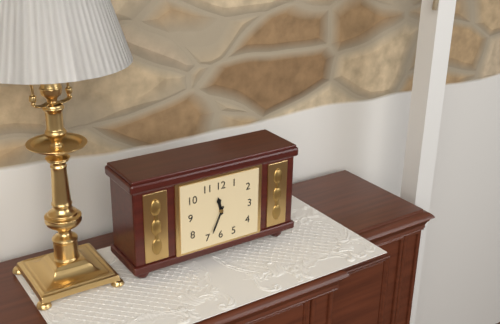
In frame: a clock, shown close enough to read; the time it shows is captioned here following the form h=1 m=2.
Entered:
h=11 m=34
